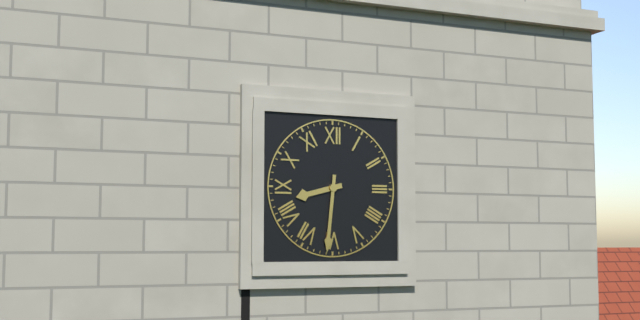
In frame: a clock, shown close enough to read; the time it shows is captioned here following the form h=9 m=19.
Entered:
h=8 m=31
